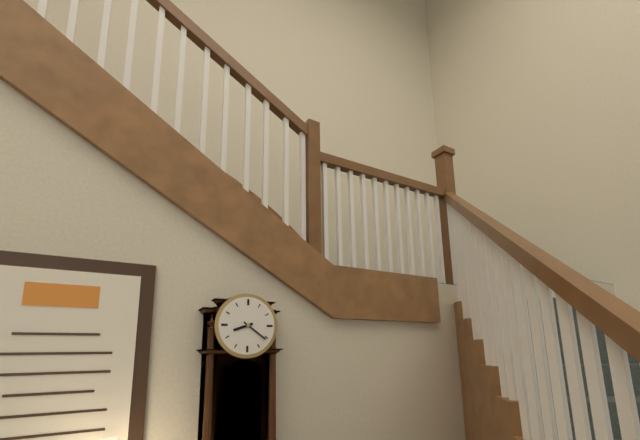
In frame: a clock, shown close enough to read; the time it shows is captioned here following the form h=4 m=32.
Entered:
h=8 m=21
